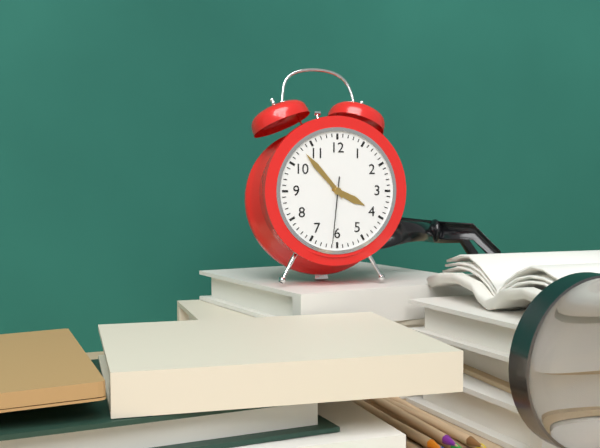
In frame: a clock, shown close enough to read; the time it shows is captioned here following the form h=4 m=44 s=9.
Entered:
h=3 m=53 s=31
